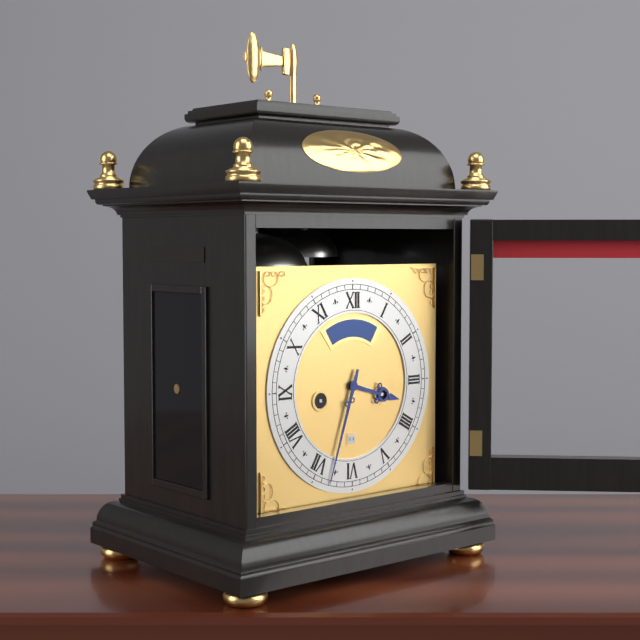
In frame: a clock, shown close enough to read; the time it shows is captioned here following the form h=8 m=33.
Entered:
h=3 m=33
